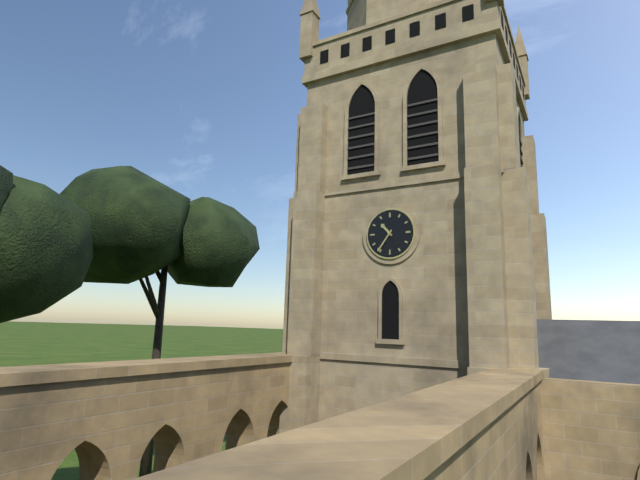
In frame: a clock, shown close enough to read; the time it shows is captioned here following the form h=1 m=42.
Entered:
h=10 m=36
